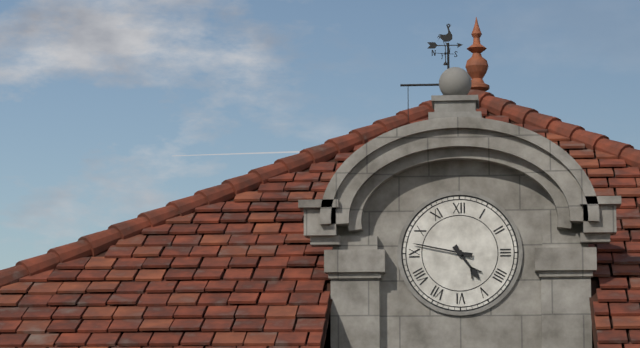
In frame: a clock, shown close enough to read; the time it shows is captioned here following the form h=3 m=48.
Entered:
h=4 m=47
